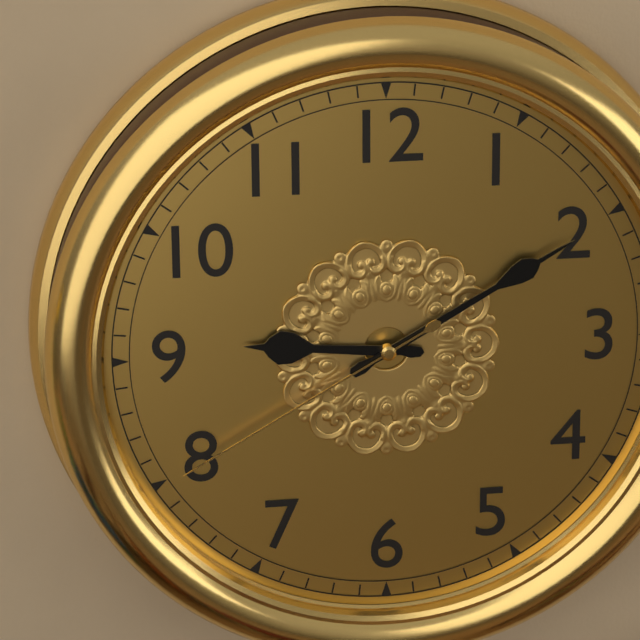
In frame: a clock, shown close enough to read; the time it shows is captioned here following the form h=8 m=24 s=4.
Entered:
h=9 m=10 s=40
